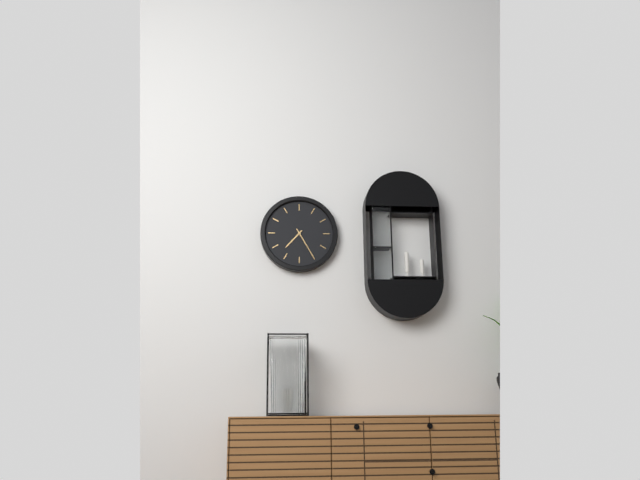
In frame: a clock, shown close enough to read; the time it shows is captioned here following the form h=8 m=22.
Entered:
h=7 m=25
